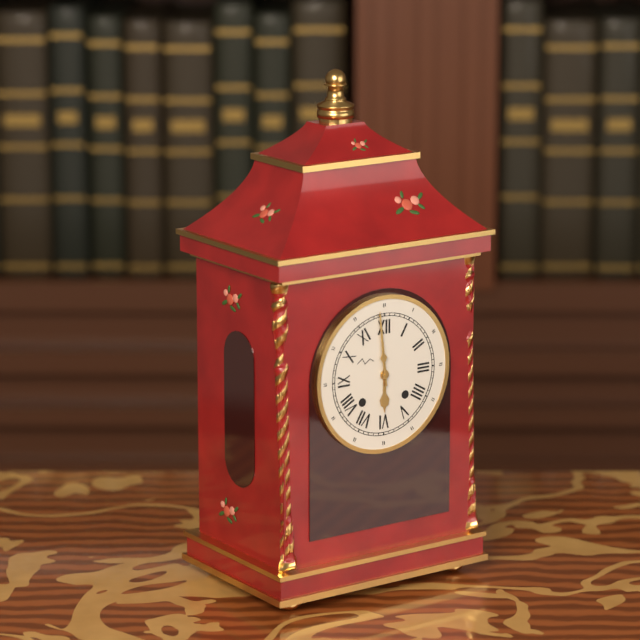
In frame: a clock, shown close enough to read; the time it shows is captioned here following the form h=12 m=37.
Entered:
h=5 m=59
